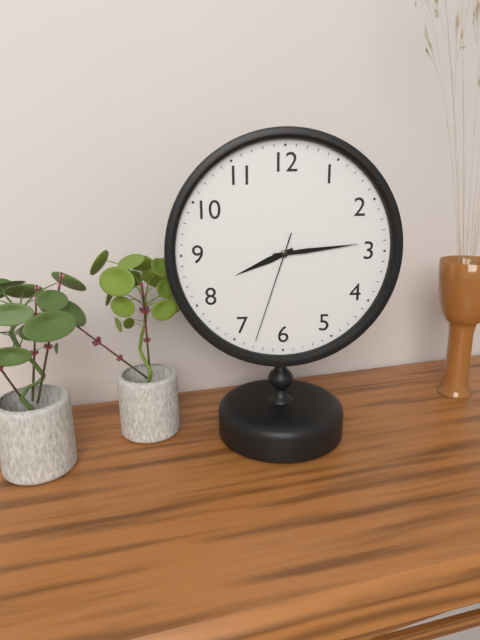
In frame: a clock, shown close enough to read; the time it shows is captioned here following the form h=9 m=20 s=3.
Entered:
h=8 m=14 s=33
